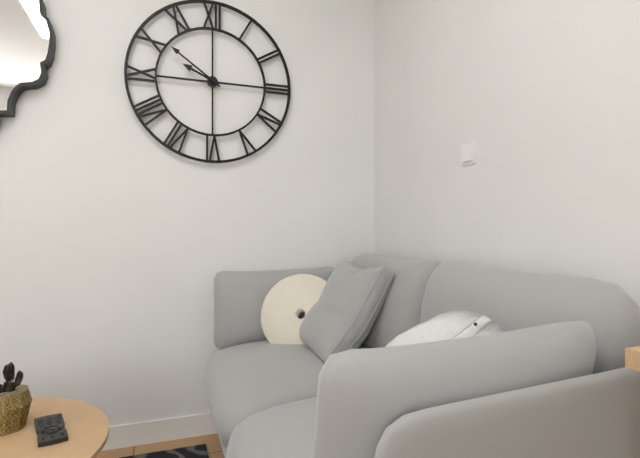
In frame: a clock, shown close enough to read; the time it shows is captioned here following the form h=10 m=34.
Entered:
h=9 m=51
